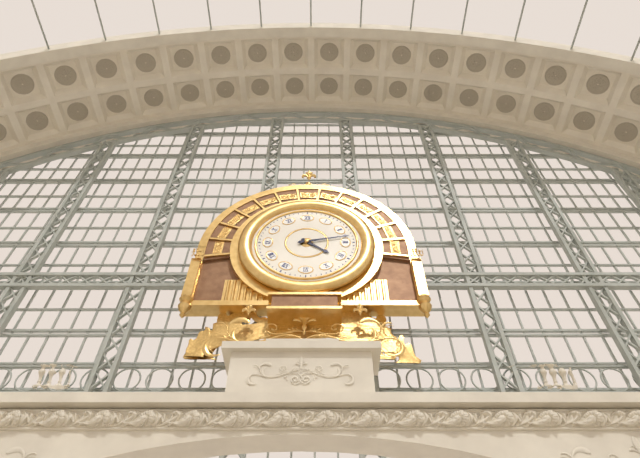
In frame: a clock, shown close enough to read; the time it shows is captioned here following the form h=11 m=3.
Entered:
h=4 m=13
